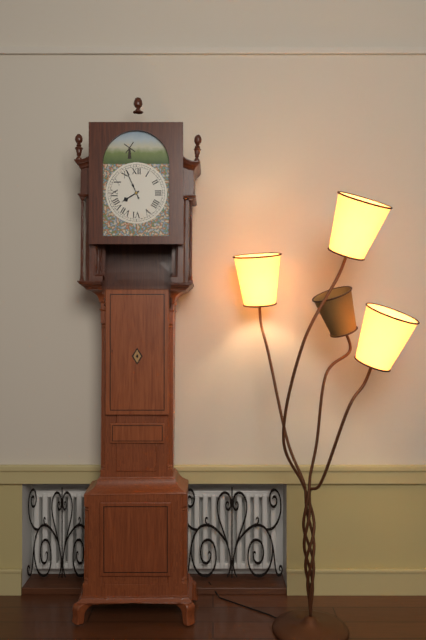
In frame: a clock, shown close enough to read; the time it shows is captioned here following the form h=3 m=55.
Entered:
h=7 m=56
